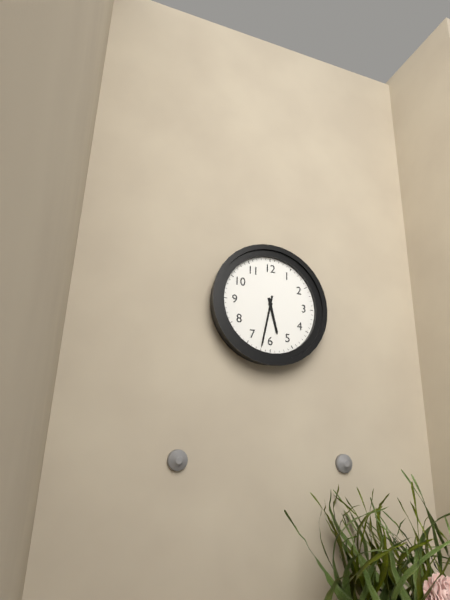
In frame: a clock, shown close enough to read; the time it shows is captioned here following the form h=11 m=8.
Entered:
h=5 m=32
